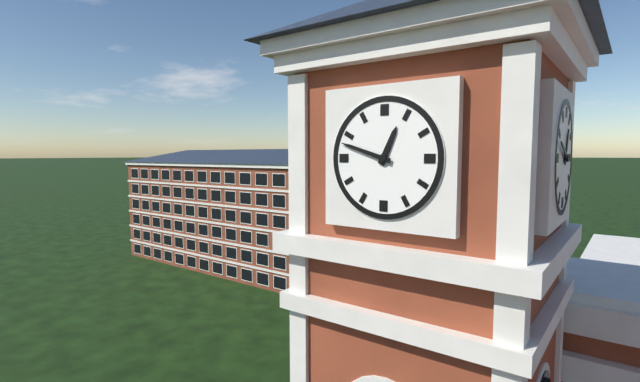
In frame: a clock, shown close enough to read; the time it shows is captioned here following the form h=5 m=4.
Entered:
h=12 m=48
